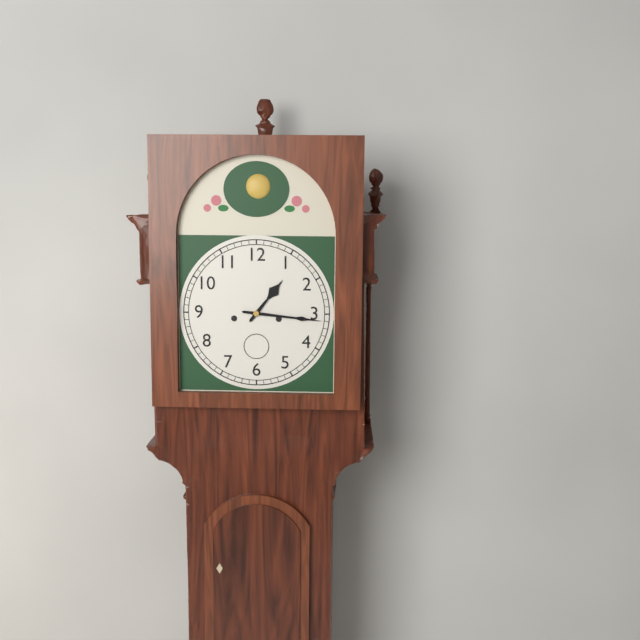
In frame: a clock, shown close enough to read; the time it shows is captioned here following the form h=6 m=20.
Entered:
h=1 m=16
